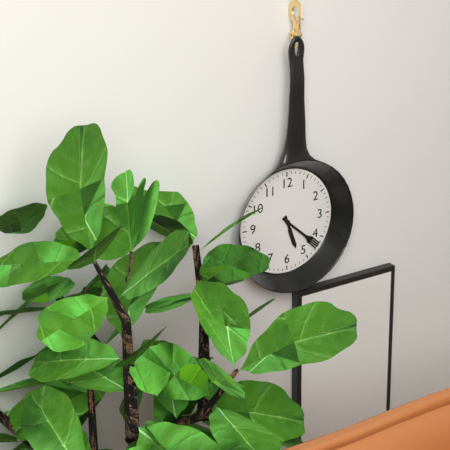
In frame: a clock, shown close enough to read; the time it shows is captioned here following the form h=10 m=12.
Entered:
h=5 m=22
